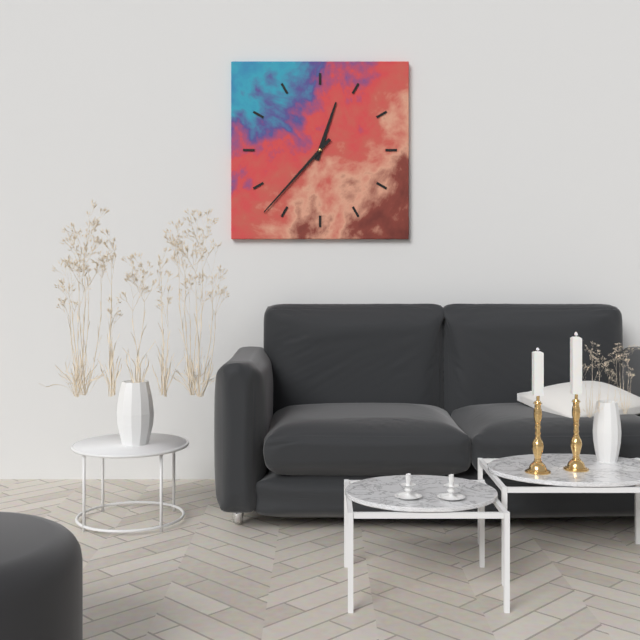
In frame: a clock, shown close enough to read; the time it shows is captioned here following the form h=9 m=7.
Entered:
h=12 m=37
